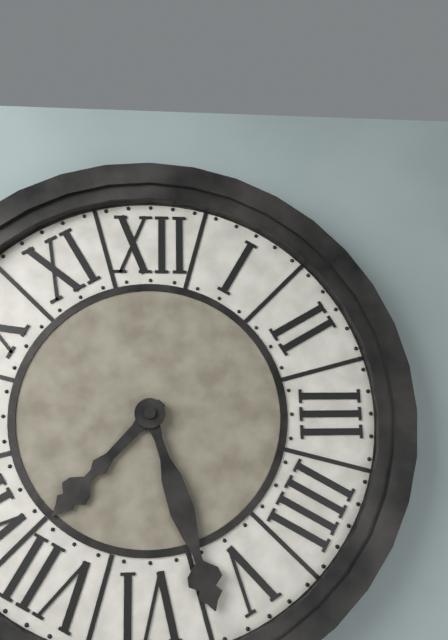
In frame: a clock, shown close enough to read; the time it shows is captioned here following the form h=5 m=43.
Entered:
h=7 m=27
